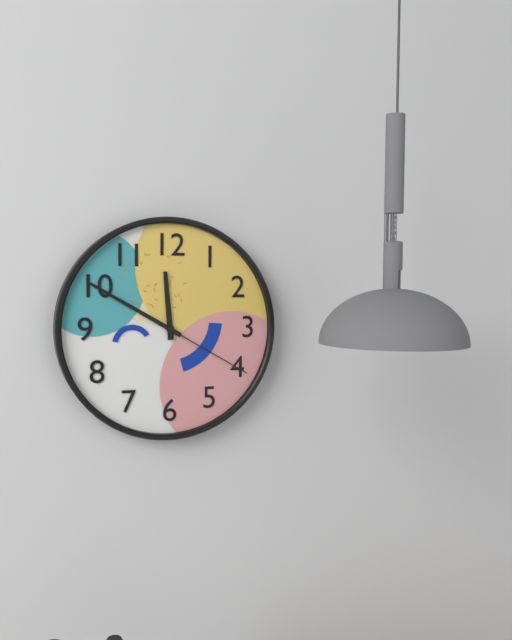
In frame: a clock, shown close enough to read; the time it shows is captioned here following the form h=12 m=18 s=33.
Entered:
h=11 m=50 s=20
